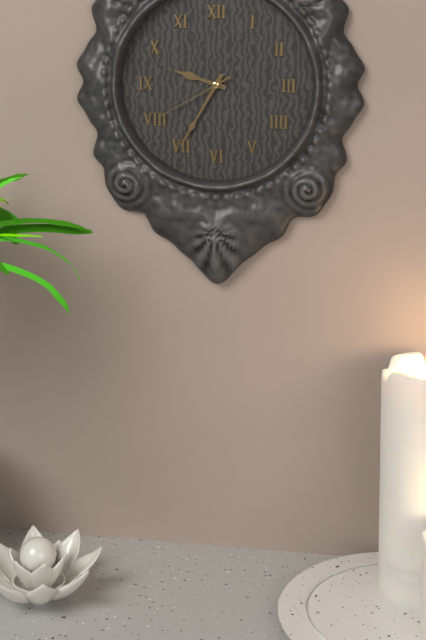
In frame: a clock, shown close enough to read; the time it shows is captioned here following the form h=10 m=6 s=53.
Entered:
h=9 m=35 s=40
